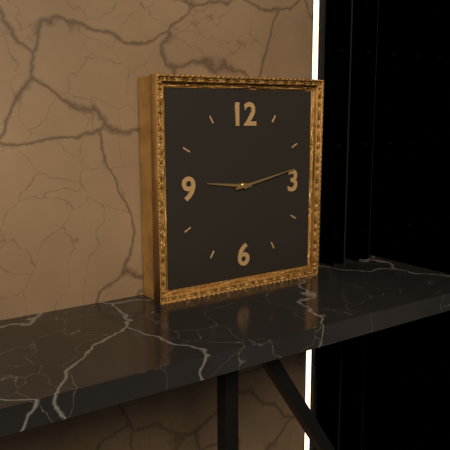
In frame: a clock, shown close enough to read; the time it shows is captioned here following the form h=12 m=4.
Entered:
h=9 m=13
